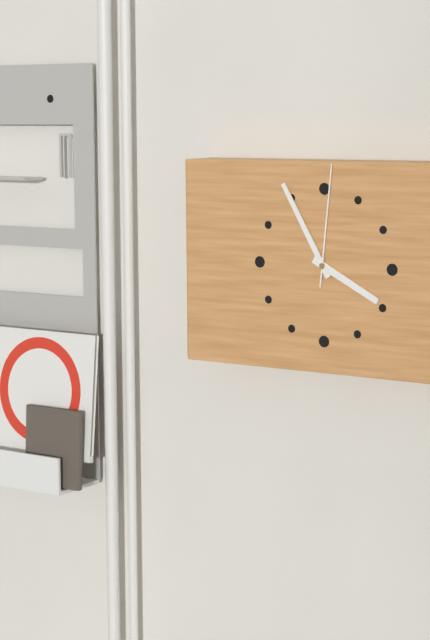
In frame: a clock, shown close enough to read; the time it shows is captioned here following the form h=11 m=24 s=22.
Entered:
h=3 m=55 s=1
